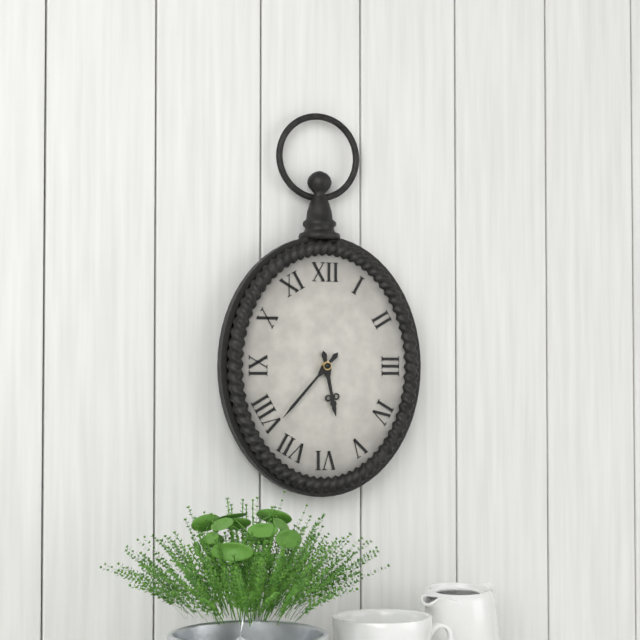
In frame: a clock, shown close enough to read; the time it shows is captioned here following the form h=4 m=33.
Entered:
h=5 m=37
